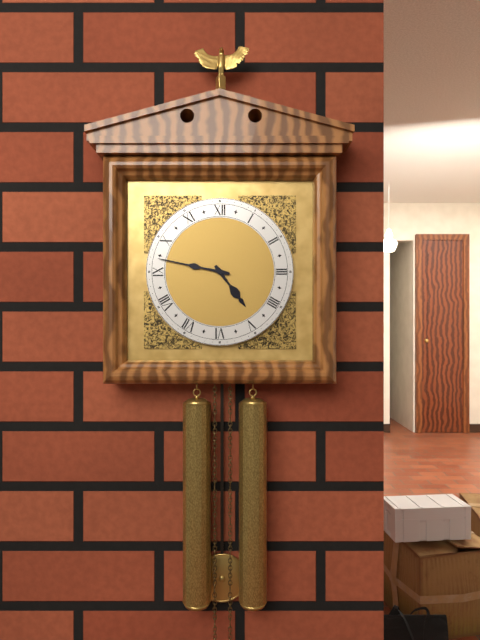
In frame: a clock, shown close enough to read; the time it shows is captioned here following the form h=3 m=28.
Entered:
h=4 m=47
